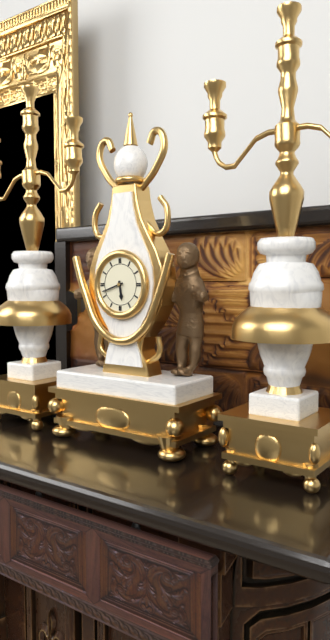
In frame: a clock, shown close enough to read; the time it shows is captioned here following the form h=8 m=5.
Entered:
h=5 m=42
